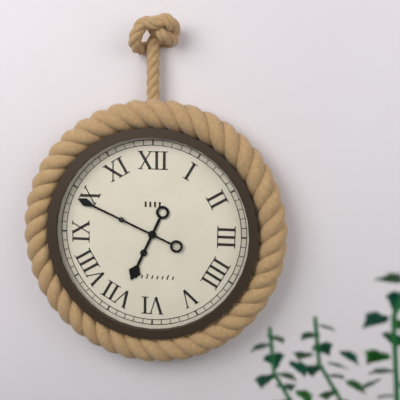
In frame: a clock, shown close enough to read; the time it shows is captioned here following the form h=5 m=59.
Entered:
h=6 m=49
